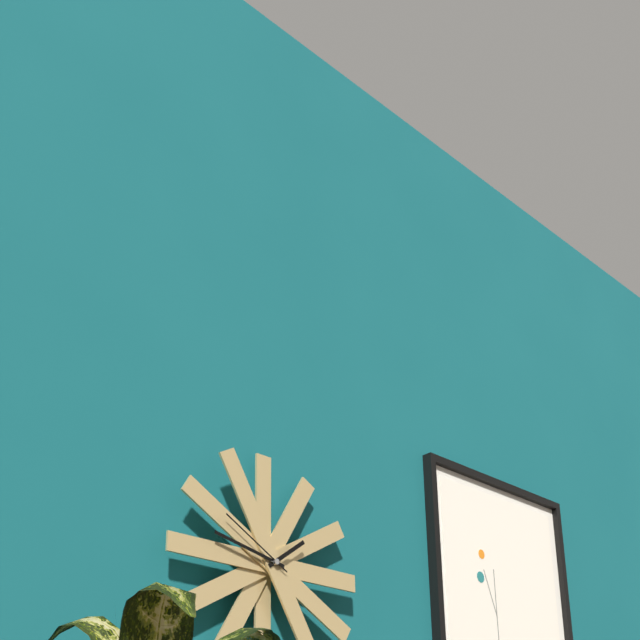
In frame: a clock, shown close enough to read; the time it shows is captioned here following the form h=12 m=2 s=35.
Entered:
h=1 m=47 s=50
